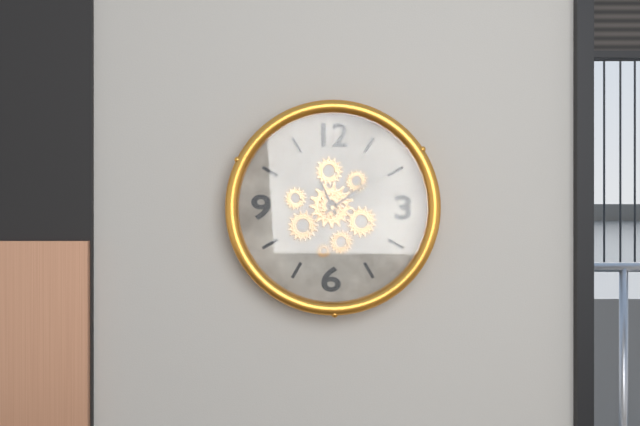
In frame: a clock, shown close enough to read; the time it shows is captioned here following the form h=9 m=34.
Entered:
h=11 m=9
